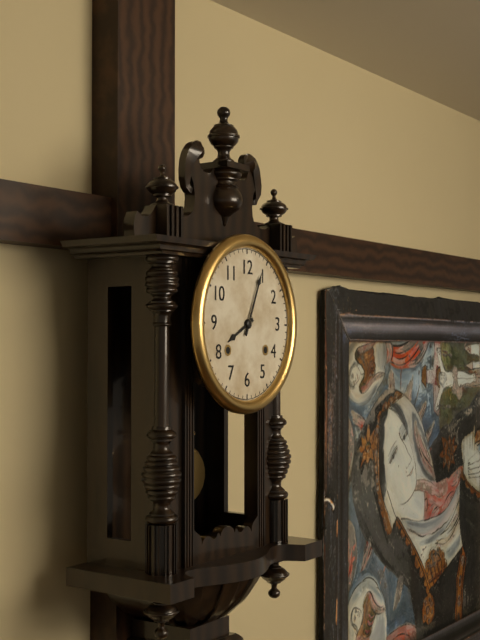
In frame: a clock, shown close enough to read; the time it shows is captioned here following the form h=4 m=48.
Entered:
h=8 m=4
